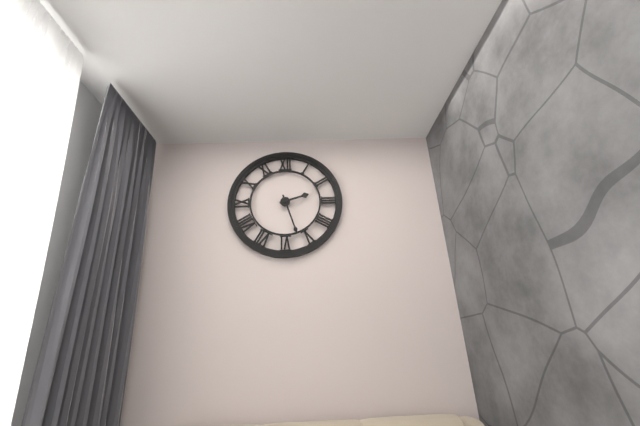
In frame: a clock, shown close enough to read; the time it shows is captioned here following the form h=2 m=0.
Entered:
h=2 m=27
